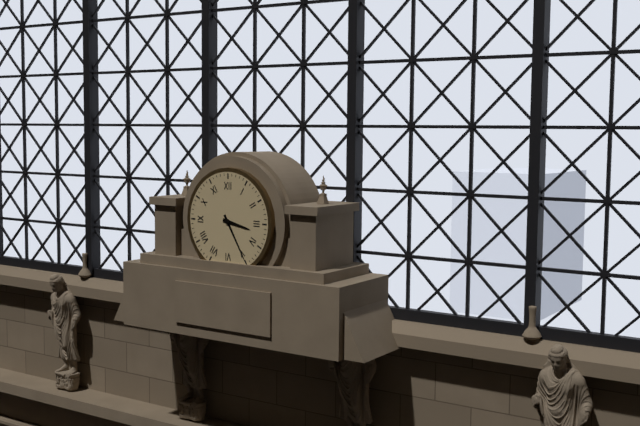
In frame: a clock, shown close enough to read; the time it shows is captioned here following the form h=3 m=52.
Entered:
h=3 m=25
